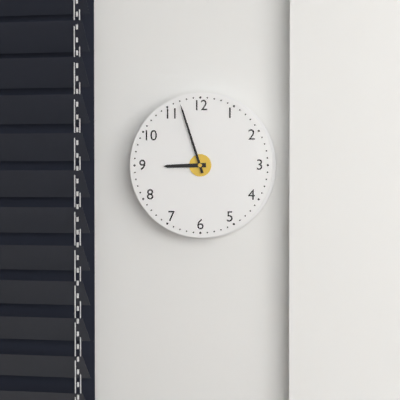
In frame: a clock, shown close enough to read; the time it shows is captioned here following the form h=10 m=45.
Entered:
h=8 m=57
